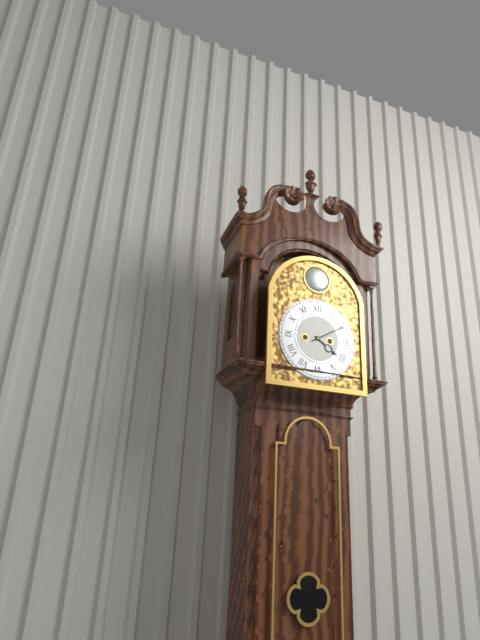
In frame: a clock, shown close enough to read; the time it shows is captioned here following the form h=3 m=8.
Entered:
h=4 m=10
